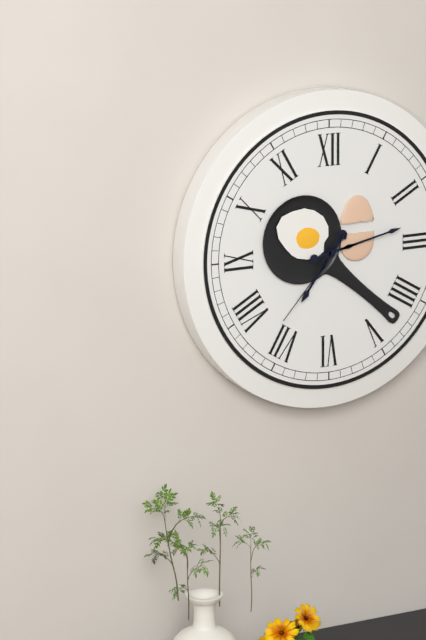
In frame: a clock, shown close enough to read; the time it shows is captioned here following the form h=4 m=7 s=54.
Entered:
h=7 m=13 s=37
